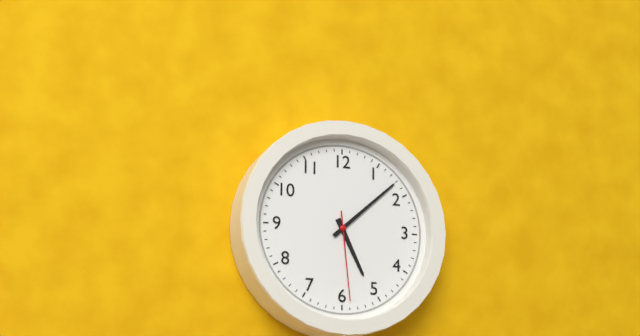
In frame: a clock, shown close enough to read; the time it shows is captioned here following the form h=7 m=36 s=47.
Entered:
h=5 m=8 s=29
